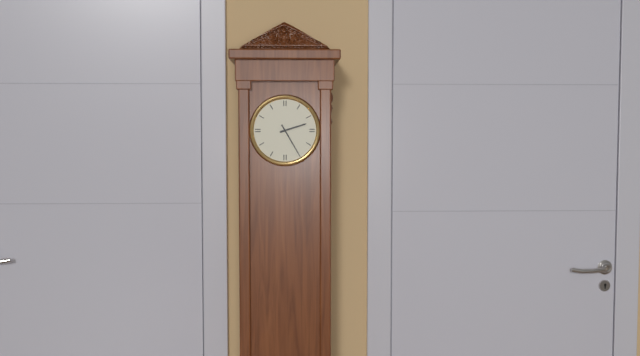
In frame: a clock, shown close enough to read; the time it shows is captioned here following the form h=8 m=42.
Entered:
h=2 m=25
